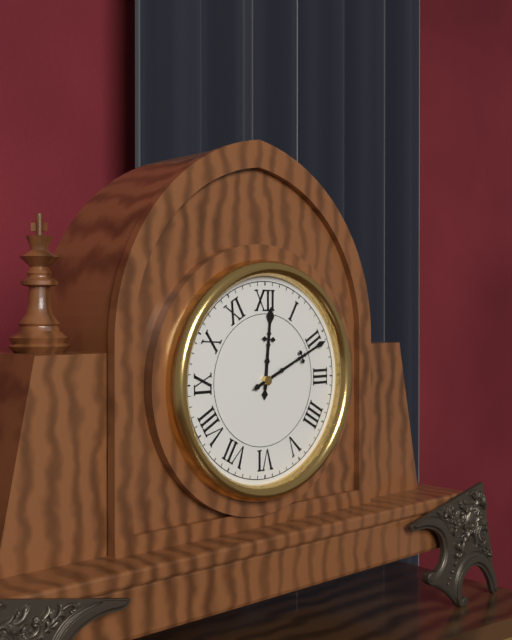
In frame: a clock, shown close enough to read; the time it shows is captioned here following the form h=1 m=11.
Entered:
h=12 m=11
